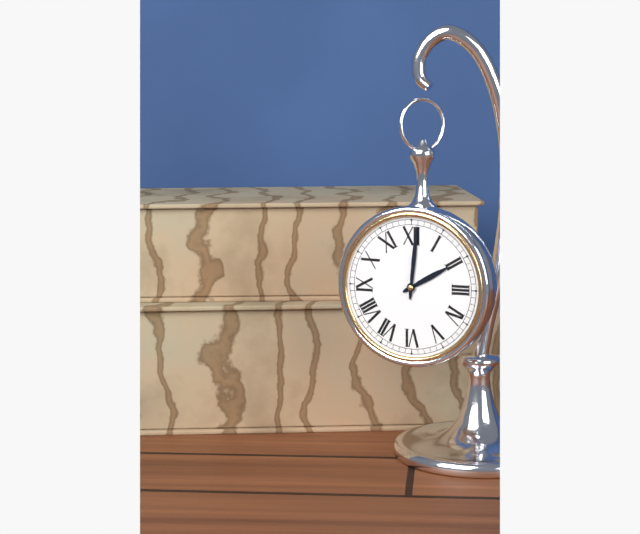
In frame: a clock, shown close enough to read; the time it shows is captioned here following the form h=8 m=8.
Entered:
h=2 m=1
